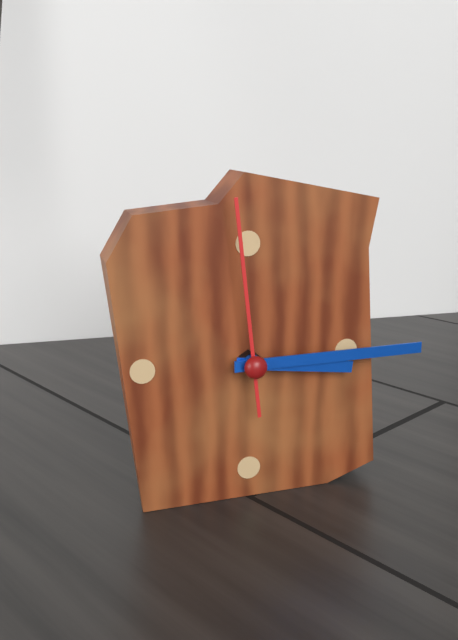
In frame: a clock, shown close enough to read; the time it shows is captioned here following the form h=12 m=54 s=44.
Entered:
h=3 m=15 s=59
